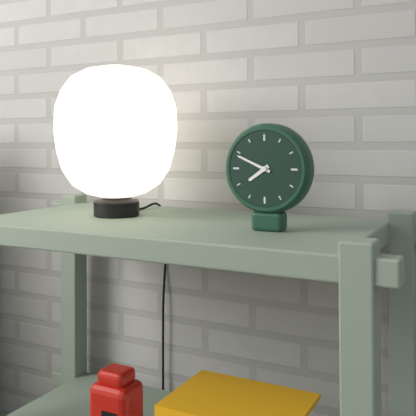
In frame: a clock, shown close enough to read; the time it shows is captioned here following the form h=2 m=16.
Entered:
h=7 m=49
